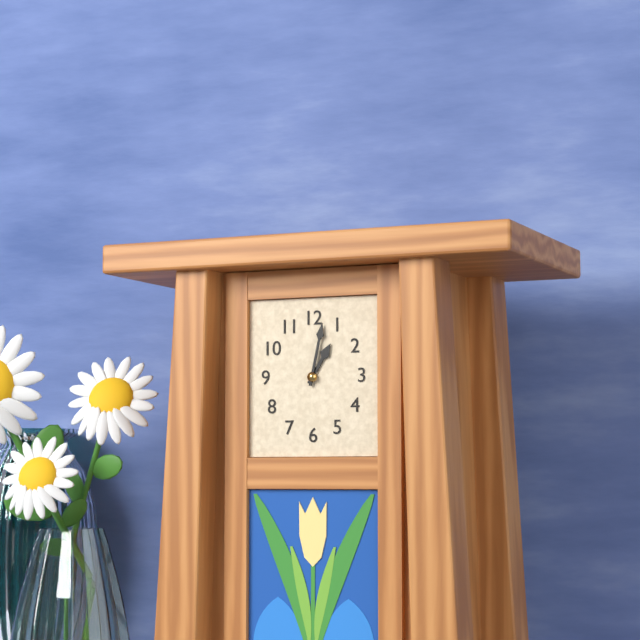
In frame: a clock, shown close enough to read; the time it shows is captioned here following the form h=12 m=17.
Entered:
h=1 m=2
